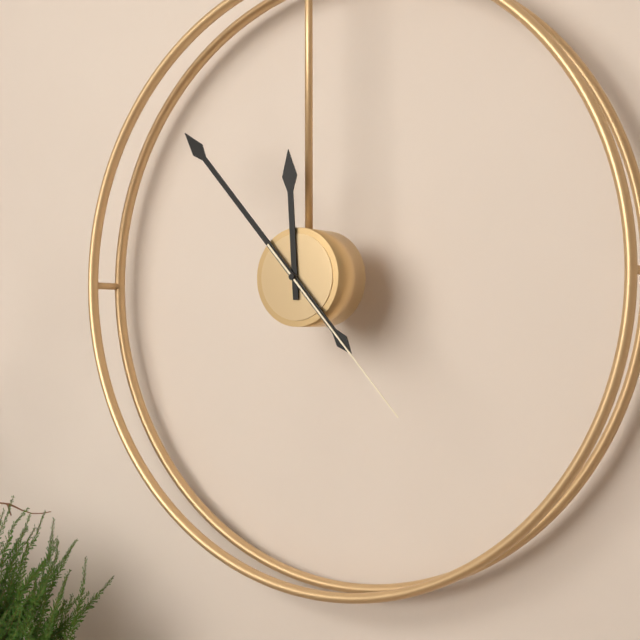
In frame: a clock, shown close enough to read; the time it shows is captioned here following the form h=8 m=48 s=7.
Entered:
h=11 m=53 s=23
